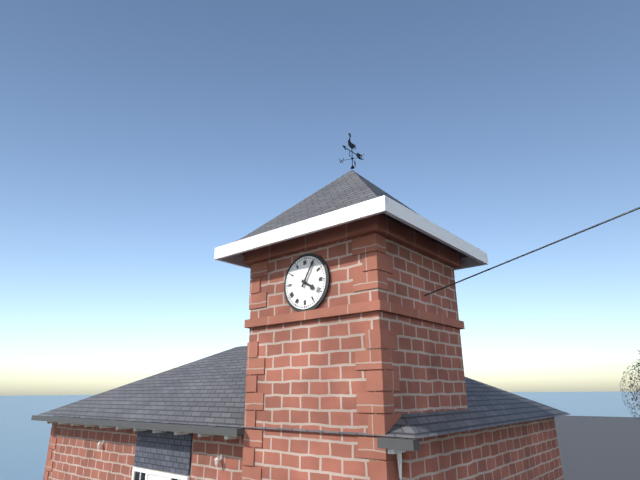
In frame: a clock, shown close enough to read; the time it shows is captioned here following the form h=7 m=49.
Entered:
h=4 m=5
